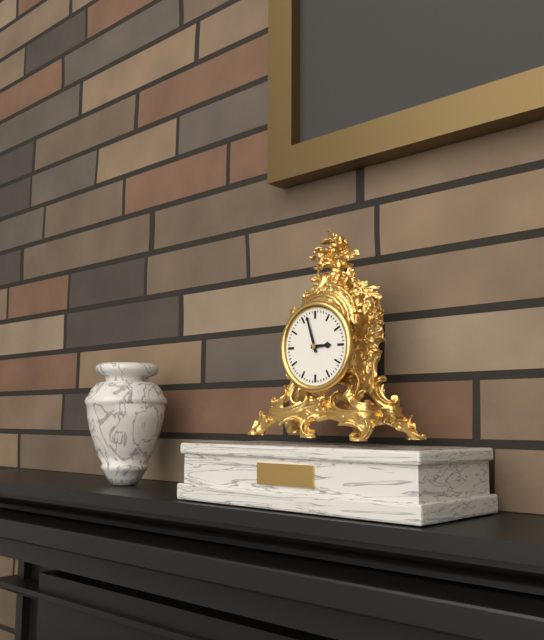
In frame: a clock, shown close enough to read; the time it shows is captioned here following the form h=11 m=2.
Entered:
h=2 m=57
